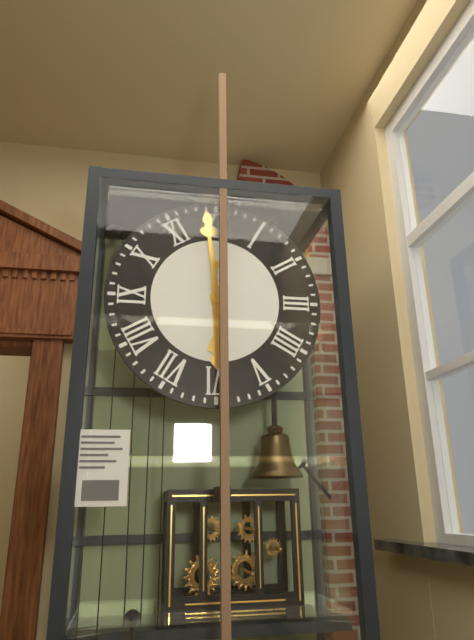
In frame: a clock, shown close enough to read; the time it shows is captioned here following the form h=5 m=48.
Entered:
h=5 m=59
